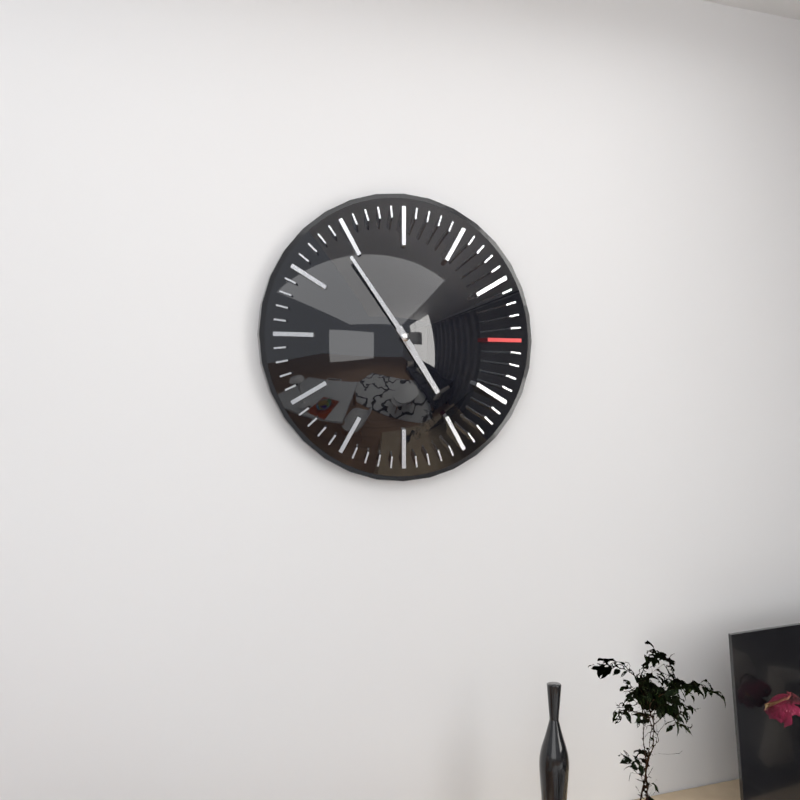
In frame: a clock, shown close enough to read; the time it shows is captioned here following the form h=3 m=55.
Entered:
h=4 m=54
